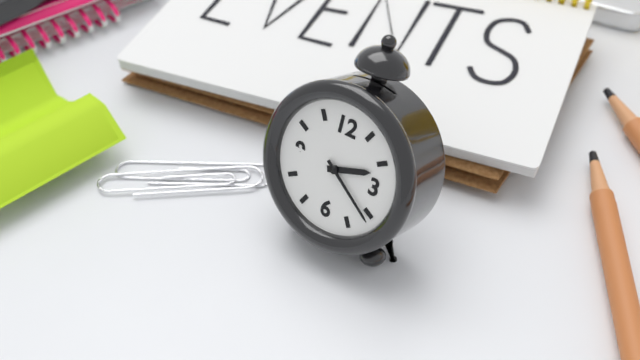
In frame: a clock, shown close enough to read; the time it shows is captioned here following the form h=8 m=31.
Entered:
h=2 m=21
